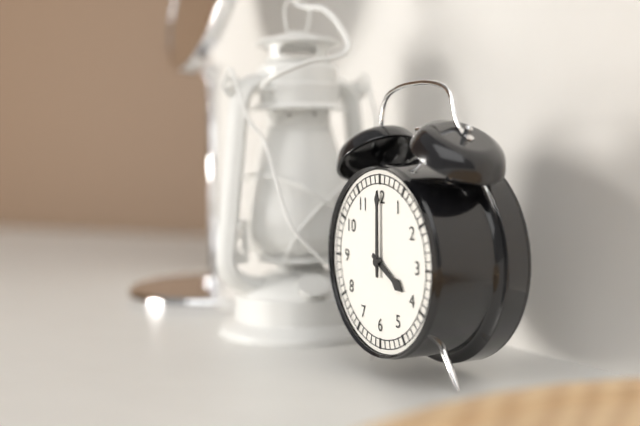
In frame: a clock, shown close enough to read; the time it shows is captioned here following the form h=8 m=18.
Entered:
h=4 m=0
